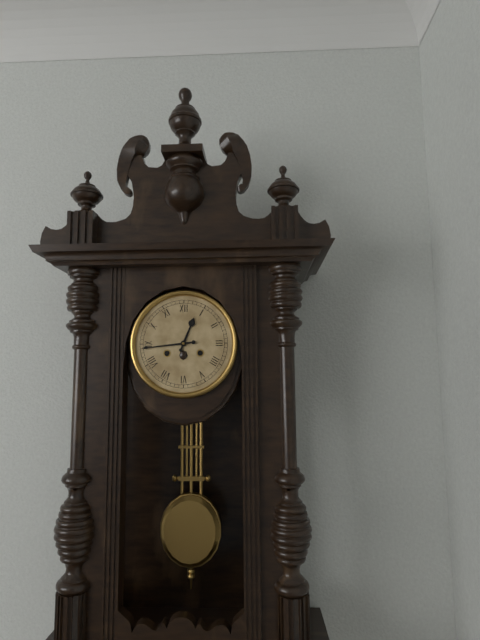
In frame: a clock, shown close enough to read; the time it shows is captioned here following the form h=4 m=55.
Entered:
h=12 m=44
